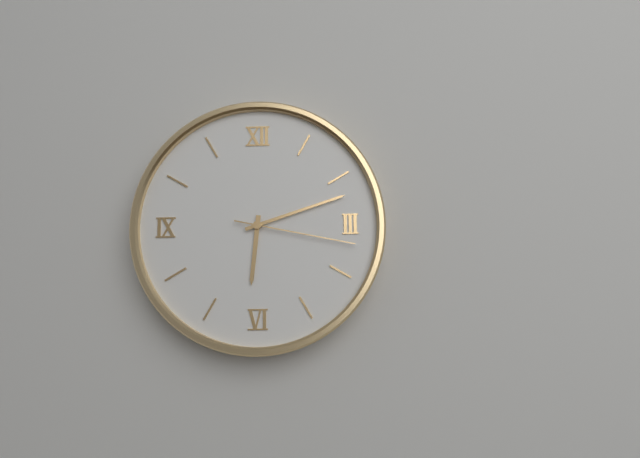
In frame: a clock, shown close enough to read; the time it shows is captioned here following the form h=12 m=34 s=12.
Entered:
h=6 m=12 s=17
